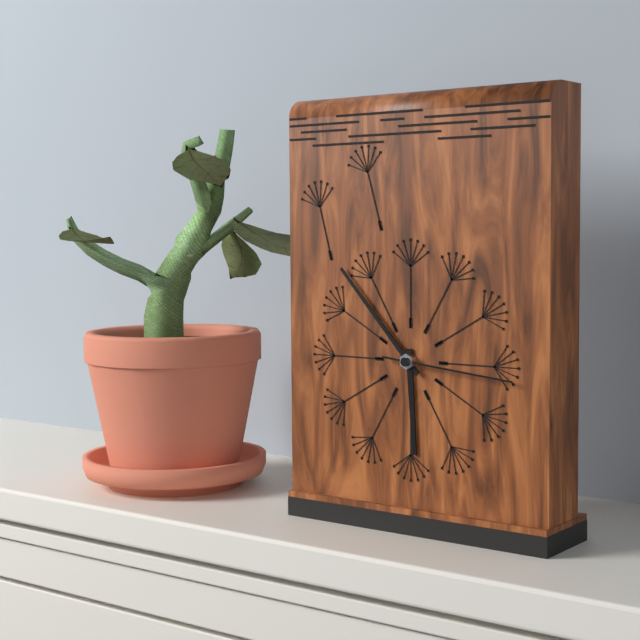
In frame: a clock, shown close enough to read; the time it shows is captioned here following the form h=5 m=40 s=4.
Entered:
h=5 m=53 s=16
